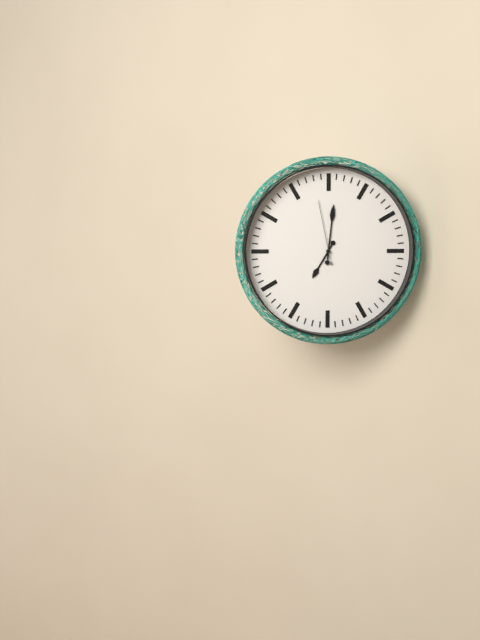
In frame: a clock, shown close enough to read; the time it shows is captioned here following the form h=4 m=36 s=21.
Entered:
h=7 m=1 s=58
